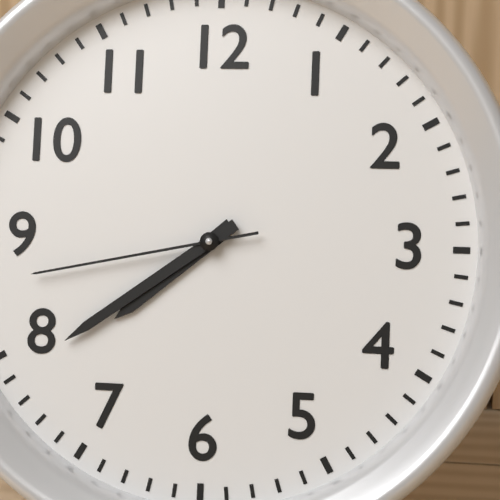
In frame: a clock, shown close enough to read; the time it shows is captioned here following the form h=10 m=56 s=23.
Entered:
h=7 m=39 s=43
